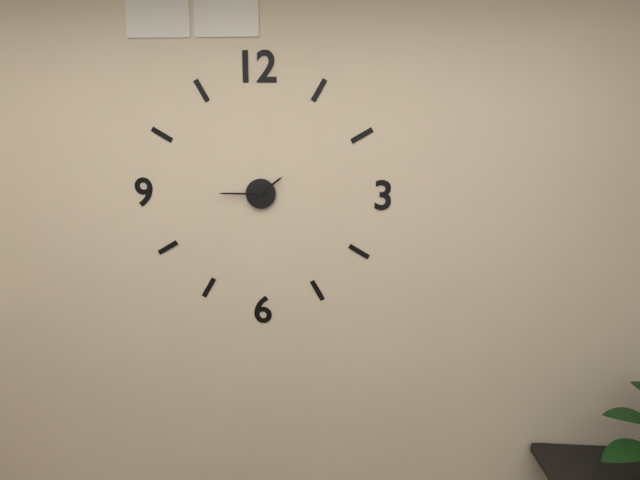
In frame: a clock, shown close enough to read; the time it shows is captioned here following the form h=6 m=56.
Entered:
h=1 m=45
